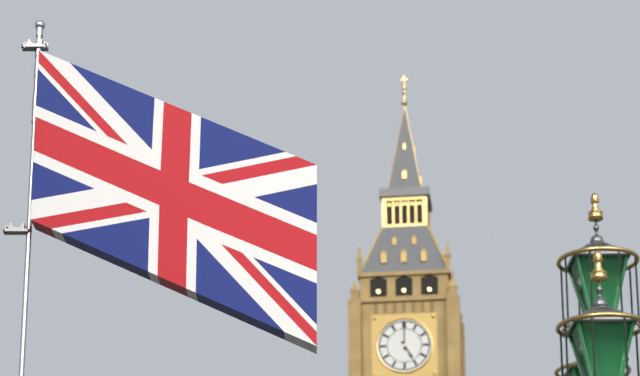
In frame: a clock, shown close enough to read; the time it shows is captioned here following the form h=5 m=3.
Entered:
h=5 m=0
